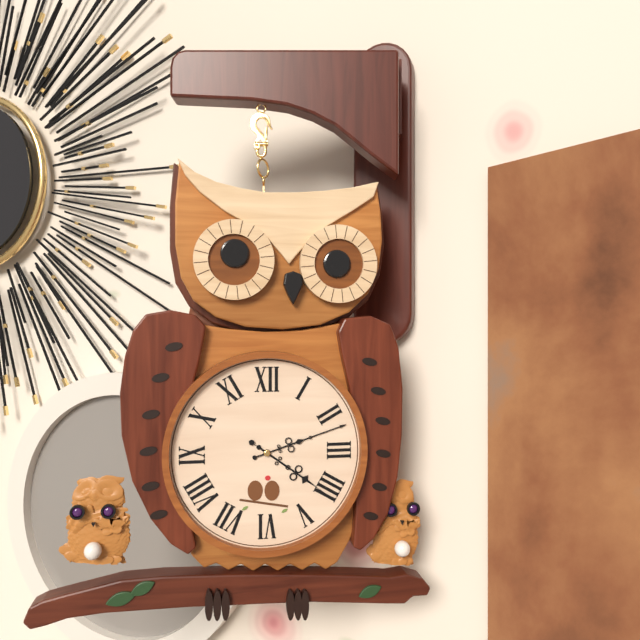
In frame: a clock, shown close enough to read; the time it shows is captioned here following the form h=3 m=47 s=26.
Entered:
h=4 m=12 s=21
